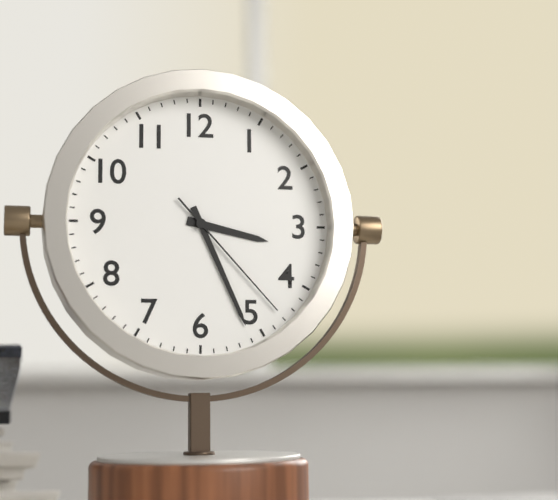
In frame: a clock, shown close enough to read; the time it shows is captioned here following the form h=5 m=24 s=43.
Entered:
h=3 m=26 s=23
